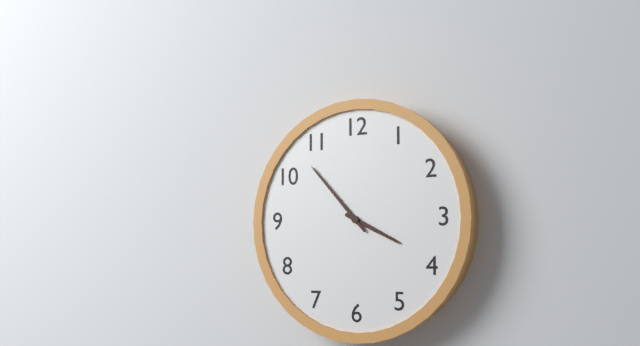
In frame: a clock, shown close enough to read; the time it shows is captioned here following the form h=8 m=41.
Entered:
h=3 m=53
